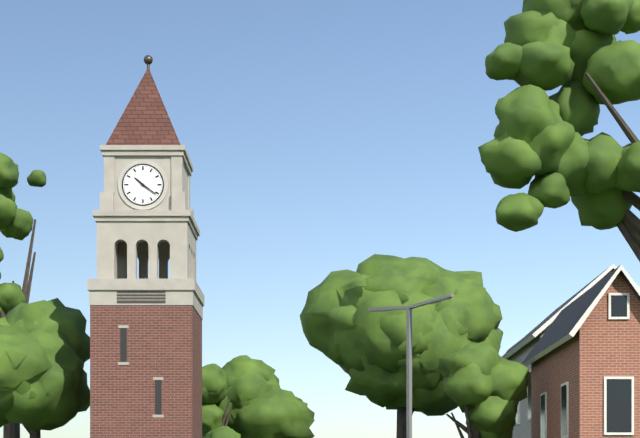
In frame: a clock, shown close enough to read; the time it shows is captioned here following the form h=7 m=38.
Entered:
h=10 m=21
